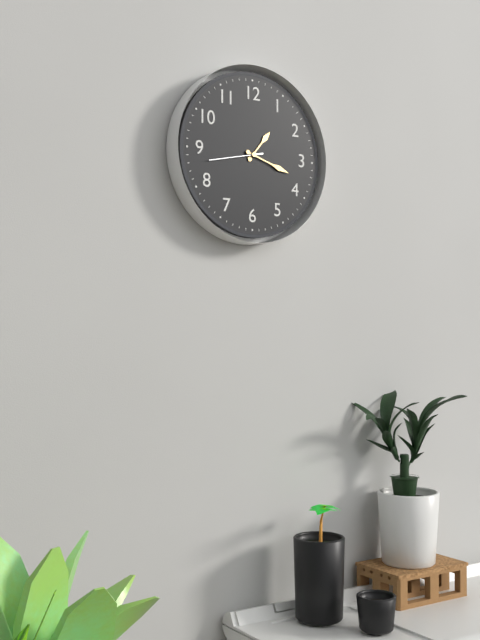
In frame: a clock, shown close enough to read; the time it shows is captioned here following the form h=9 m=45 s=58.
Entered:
h=1 m=18 s=43
